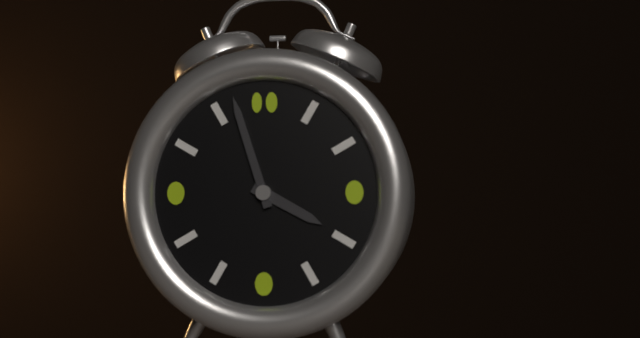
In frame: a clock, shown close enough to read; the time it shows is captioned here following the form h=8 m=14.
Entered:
h=3 m=57
